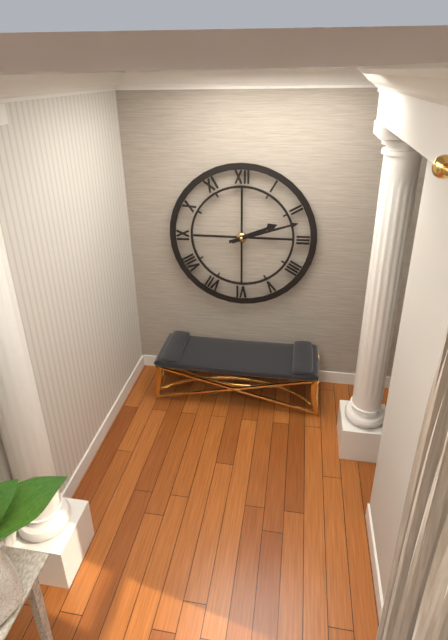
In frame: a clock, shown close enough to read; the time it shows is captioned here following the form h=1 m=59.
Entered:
h=2 m=12
